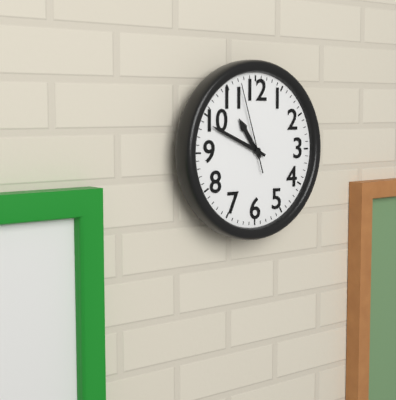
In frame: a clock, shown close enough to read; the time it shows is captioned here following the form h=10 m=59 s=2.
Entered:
h=10 m=49 s=57
